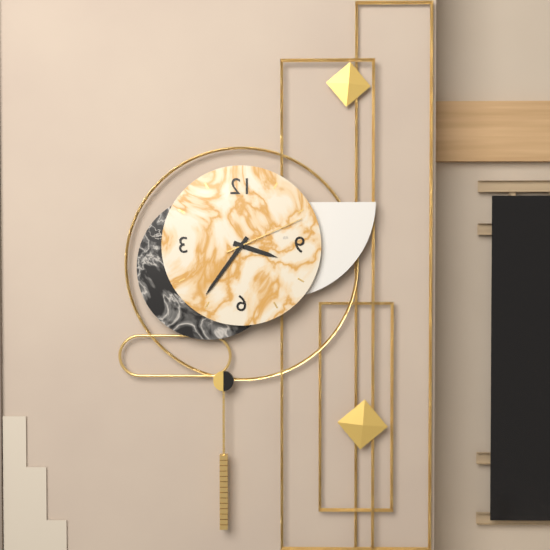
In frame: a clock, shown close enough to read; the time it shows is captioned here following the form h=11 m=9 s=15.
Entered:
h=3 m=36 s=11
